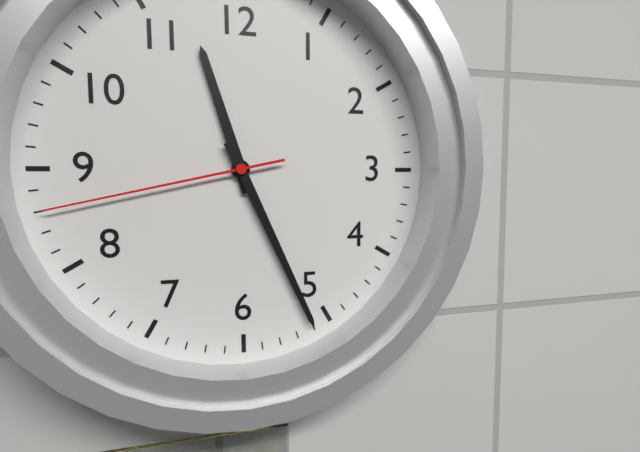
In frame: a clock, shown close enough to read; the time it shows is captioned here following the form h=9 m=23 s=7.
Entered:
h=11 m=26 s=43
